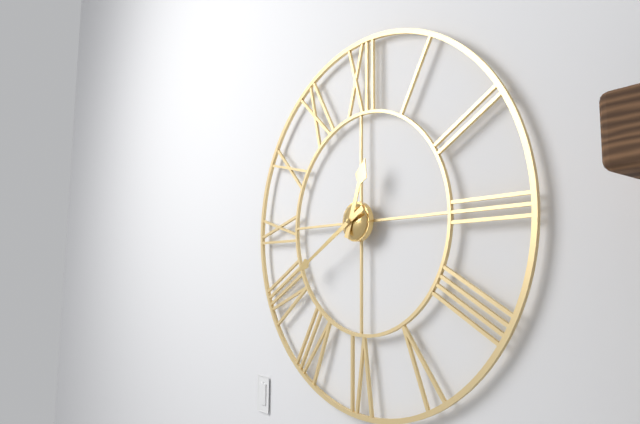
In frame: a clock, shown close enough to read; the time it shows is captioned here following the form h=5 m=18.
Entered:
h=12 m=40
